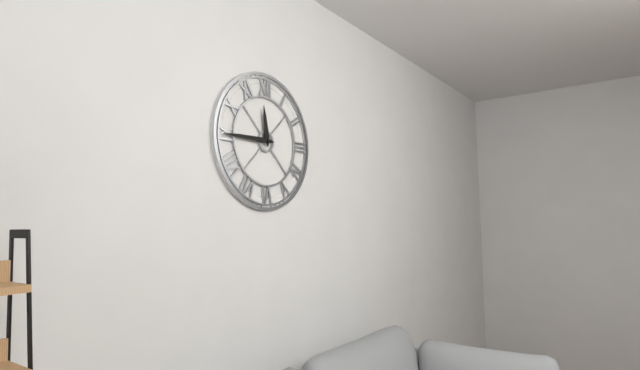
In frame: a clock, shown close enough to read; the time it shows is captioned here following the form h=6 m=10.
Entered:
h=11 m=45
